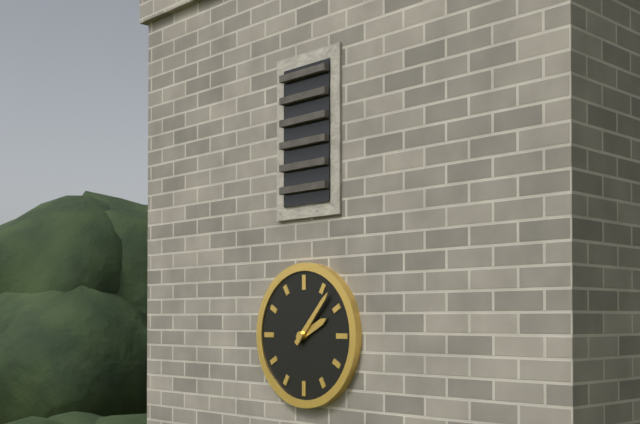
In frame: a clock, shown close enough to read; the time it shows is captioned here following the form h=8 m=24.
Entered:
h=2 m=7
